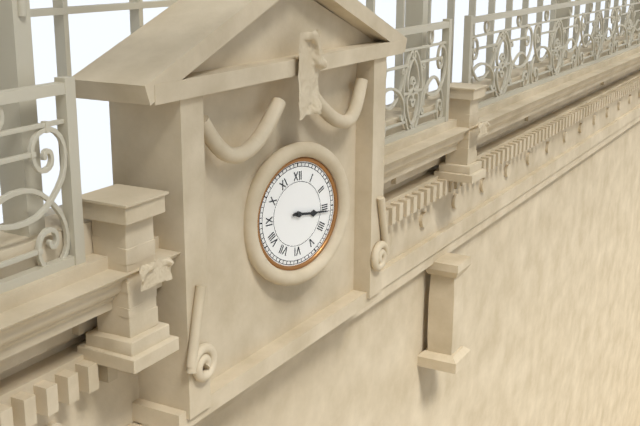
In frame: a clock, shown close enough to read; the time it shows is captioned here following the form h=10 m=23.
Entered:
h=3 m=16
